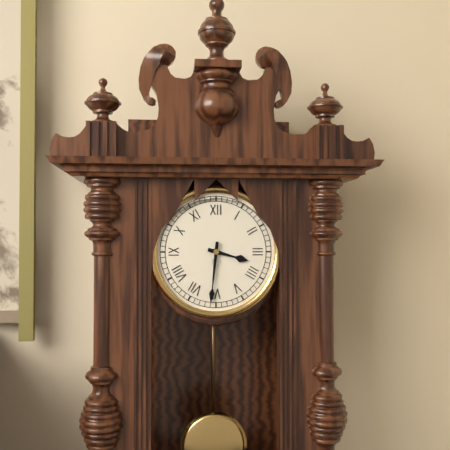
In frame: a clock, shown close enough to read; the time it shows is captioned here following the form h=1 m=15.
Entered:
h=3 m=31
